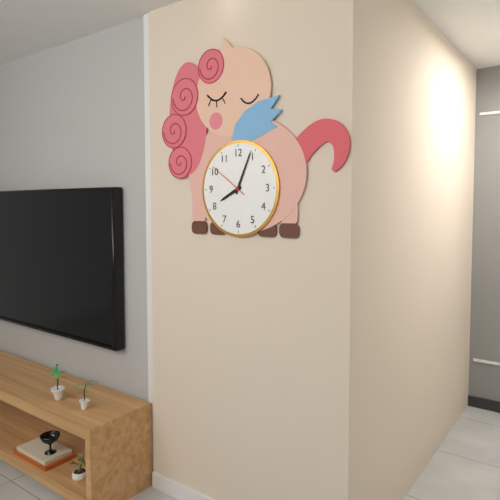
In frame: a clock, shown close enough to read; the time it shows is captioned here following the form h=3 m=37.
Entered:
h=8 m=4
